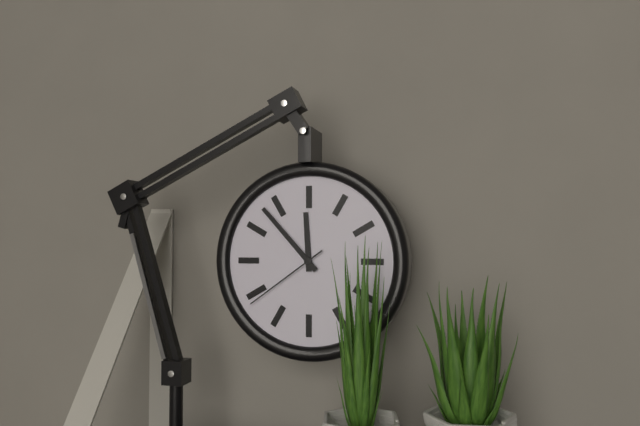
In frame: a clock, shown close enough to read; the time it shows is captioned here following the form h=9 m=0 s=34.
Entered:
h=11 m=53 s=39
